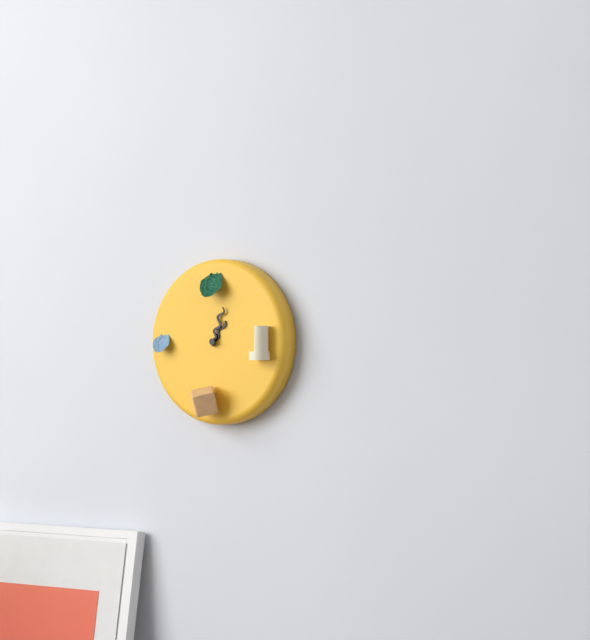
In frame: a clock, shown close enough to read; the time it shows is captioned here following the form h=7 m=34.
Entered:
h=1 m=3
